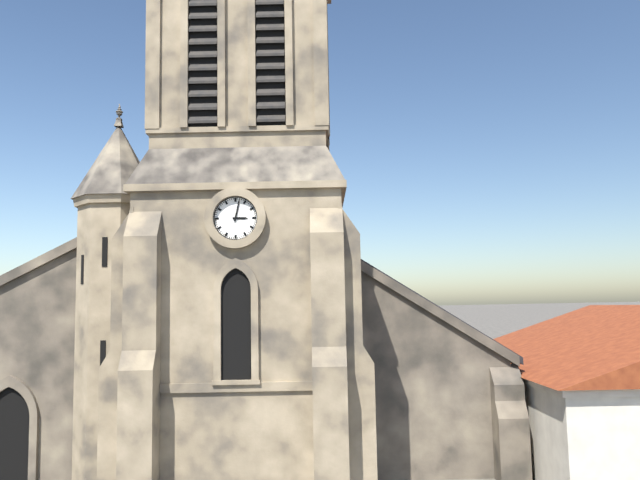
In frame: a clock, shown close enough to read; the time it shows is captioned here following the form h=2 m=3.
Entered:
h=3 m=2
